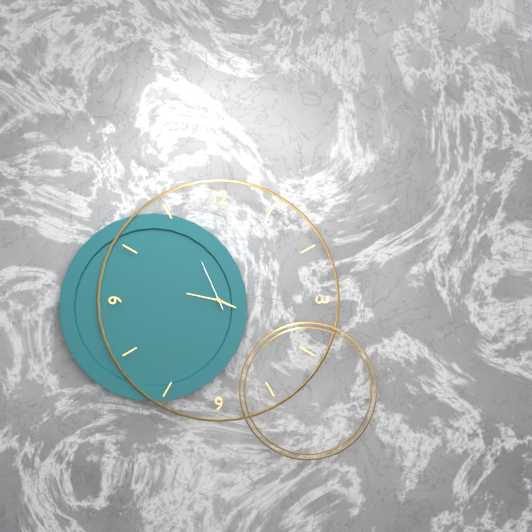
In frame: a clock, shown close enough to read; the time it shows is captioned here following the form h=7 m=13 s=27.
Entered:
h=3 m=47 s=56
